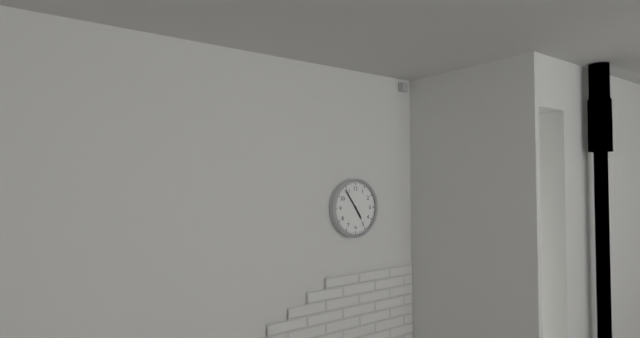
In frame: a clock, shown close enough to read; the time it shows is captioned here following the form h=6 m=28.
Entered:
h=4 m=54
